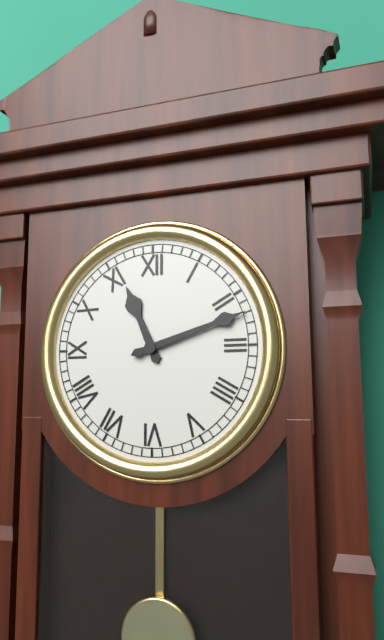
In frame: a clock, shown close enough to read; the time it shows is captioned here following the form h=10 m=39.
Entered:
h=11 m=12
